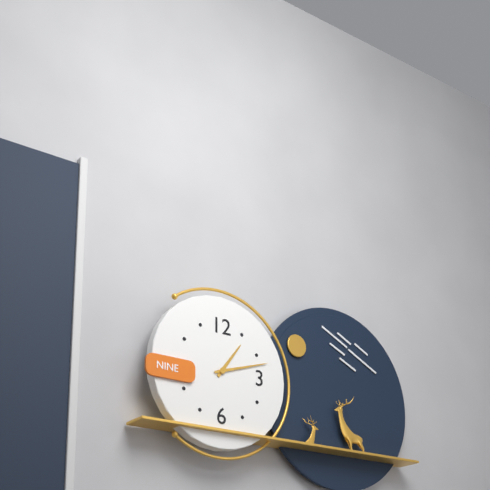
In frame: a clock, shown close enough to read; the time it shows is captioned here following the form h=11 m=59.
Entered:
h=1 m=12
